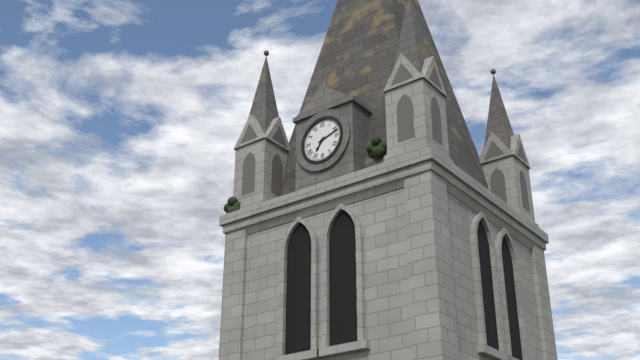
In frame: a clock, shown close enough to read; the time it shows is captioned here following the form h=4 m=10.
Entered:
h=7 m=12
